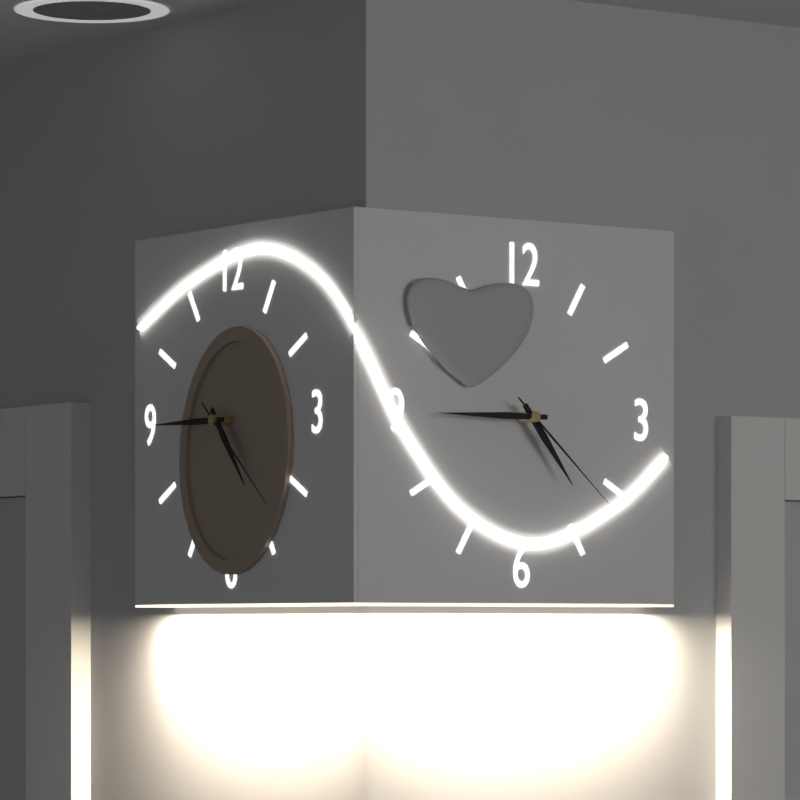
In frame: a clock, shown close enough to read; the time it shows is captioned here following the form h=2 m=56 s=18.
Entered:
h=4 m=45 s=22
